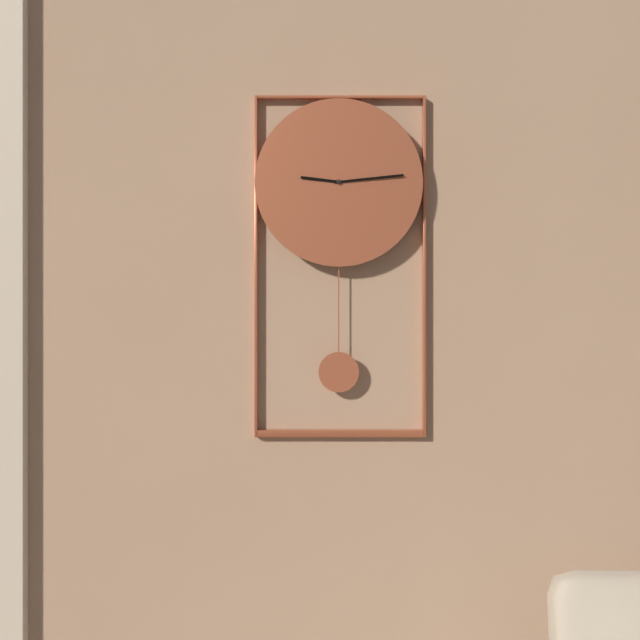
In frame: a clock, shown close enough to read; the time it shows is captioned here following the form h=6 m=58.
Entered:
h=9 m=14
